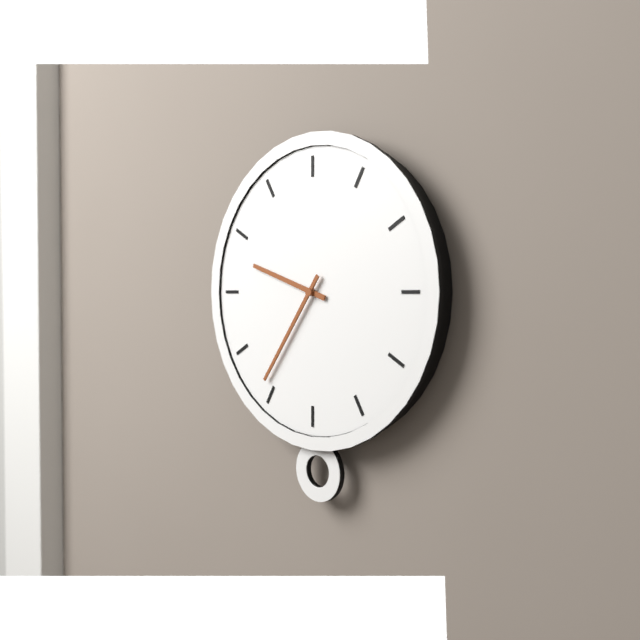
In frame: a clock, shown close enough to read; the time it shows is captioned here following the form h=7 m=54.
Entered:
h=9 m=36
